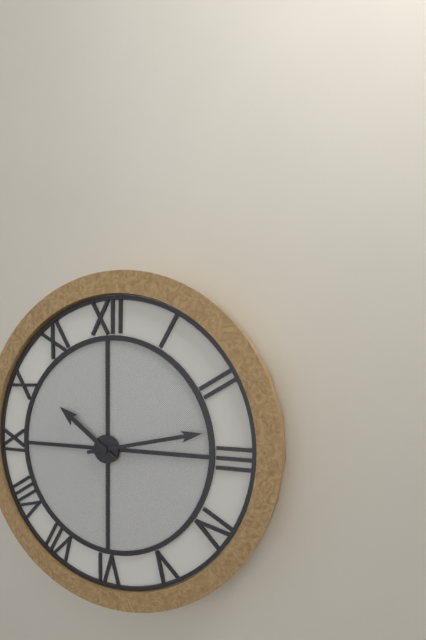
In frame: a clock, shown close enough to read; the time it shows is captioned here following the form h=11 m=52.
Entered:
h=10 m=13
